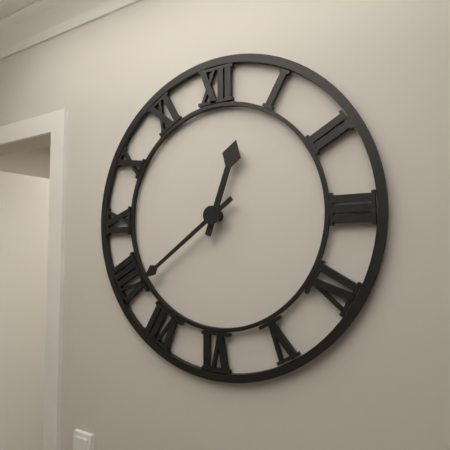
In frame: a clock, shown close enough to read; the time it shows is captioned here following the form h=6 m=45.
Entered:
h=12 m=39
